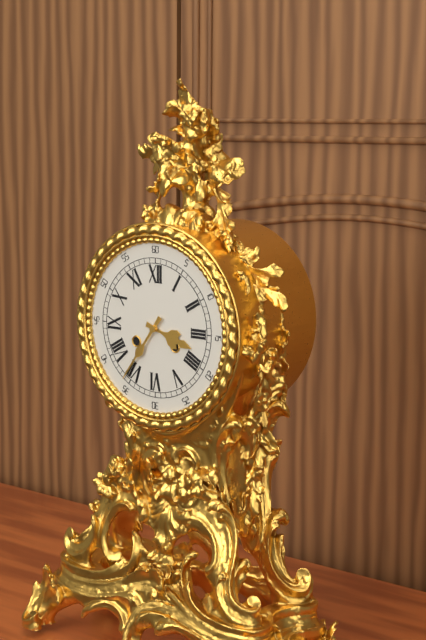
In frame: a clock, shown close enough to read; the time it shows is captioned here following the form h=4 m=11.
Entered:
h=3 m=36
